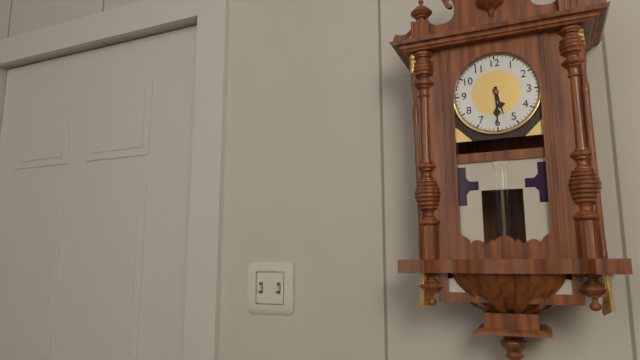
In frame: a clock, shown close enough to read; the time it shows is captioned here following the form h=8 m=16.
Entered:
h=5 m=30
